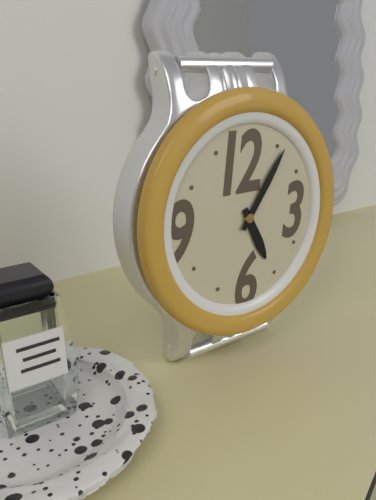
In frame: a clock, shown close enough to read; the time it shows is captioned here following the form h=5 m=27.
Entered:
h=5 m=6
